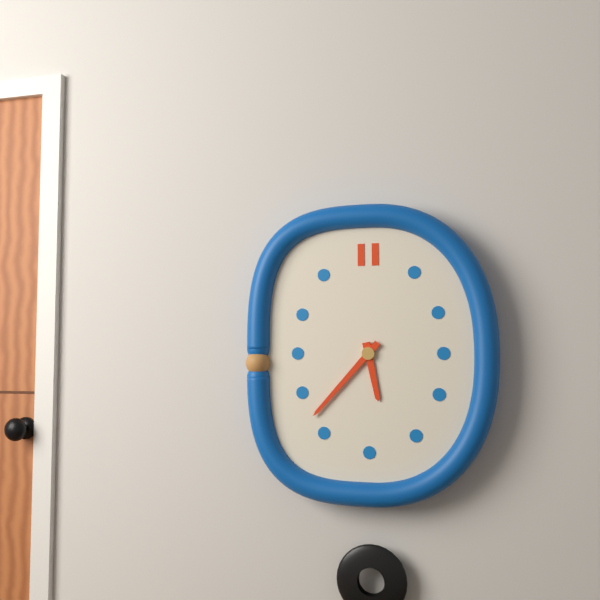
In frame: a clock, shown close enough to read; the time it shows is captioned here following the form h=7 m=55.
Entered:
h=5 m=37
